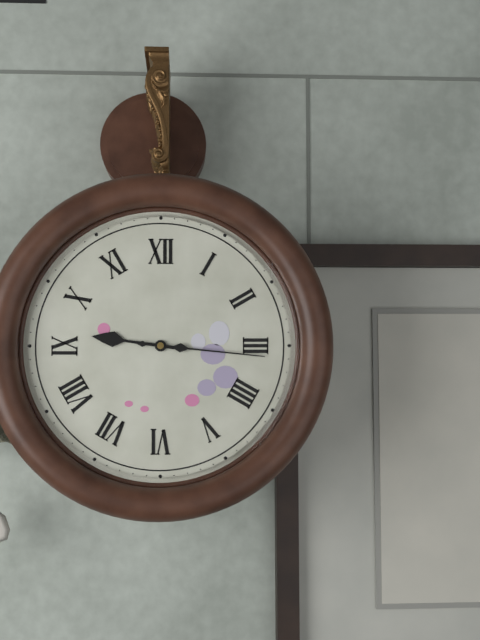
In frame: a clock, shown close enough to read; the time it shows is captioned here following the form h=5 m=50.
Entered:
h=9 m=16
